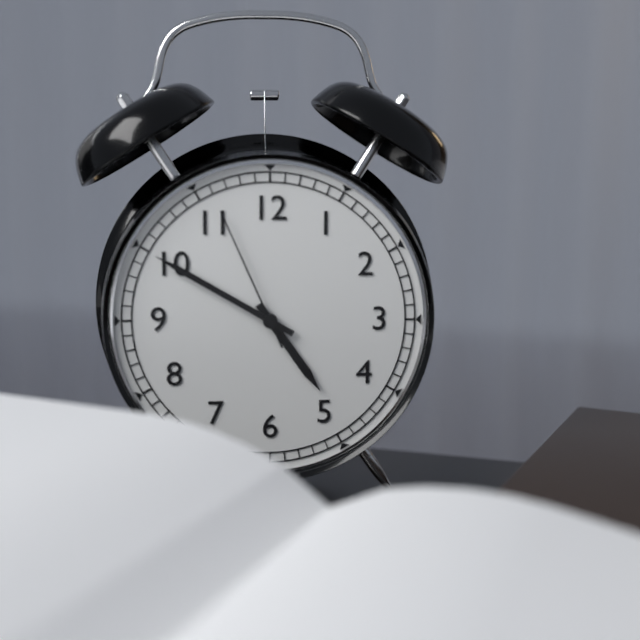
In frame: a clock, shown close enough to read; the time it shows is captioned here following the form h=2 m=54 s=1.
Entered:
h=4 m=50 s=56
